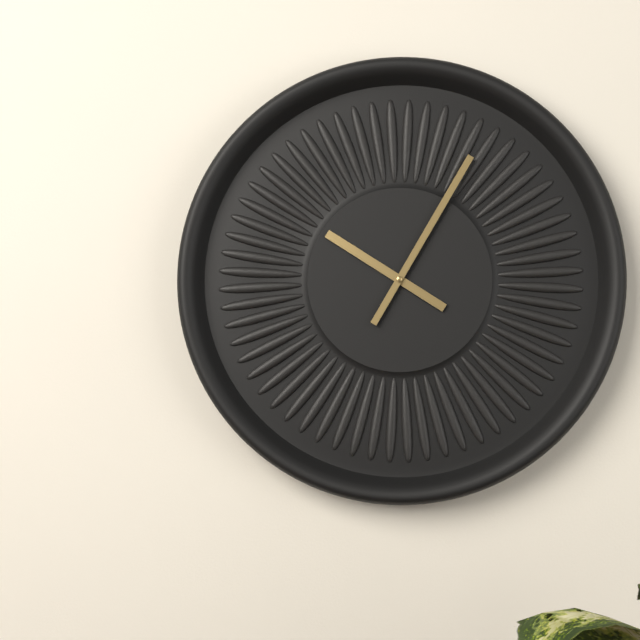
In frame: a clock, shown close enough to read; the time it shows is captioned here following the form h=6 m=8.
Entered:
h=10 m=5
